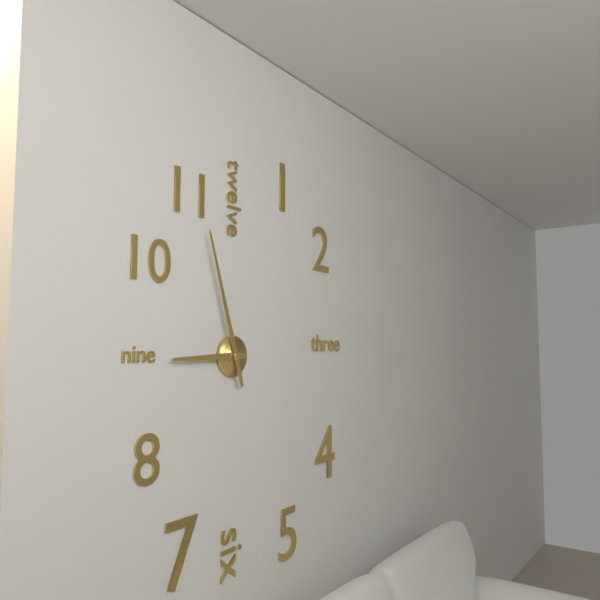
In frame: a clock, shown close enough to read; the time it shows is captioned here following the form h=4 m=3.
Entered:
h=8 m=57
